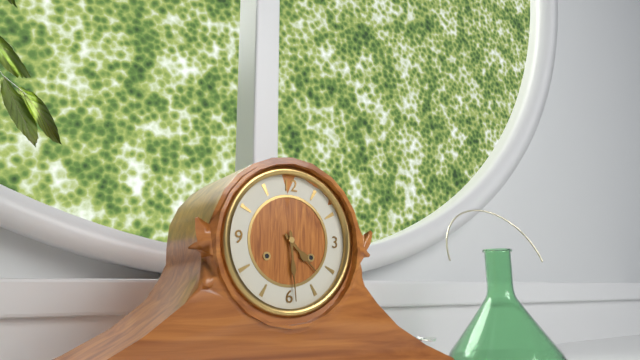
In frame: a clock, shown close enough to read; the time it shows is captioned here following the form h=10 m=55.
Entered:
h=4 m=29
